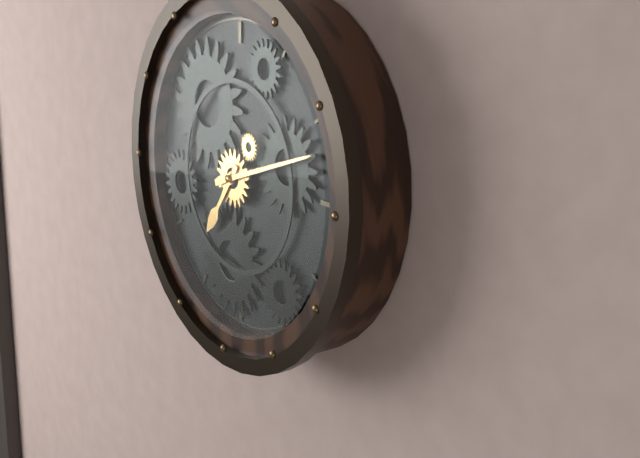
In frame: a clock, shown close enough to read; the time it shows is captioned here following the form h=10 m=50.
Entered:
h=7 m=12
